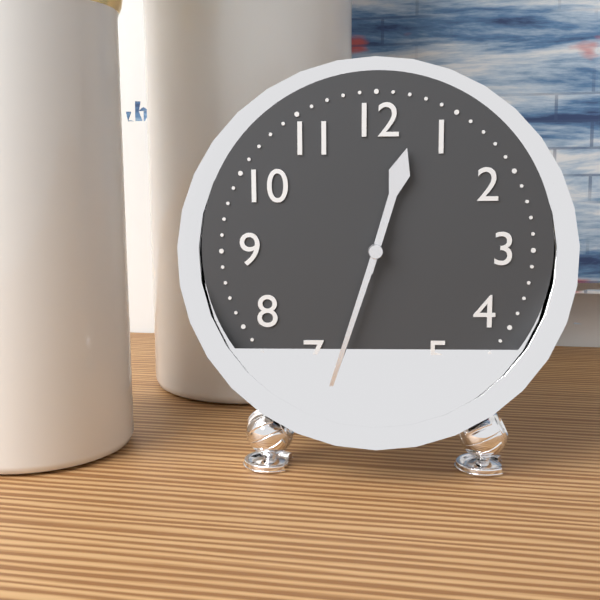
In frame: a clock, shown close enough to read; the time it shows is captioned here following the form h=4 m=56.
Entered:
h=12 m=33
